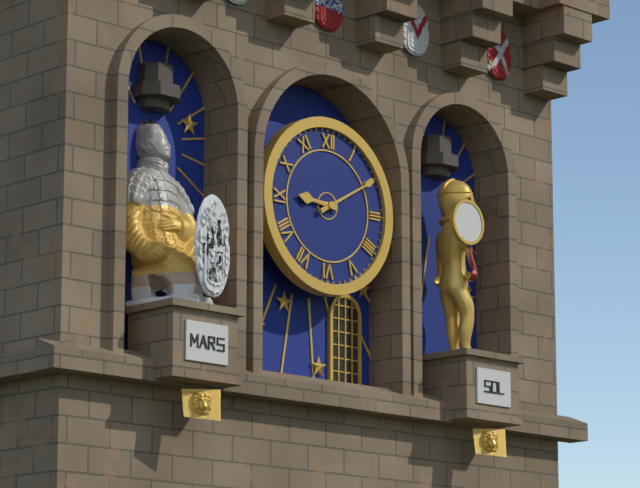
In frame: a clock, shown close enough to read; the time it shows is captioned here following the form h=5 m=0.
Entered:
h=9 m=10
